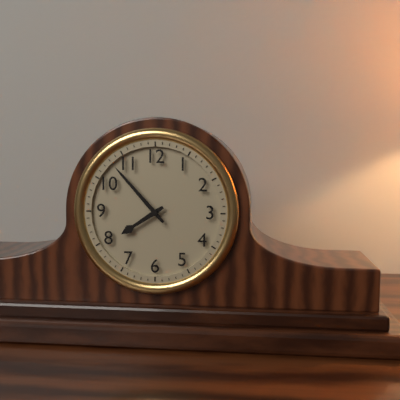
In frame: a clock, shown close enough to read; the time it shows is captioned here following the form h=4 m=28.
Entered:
h=7 m=53
